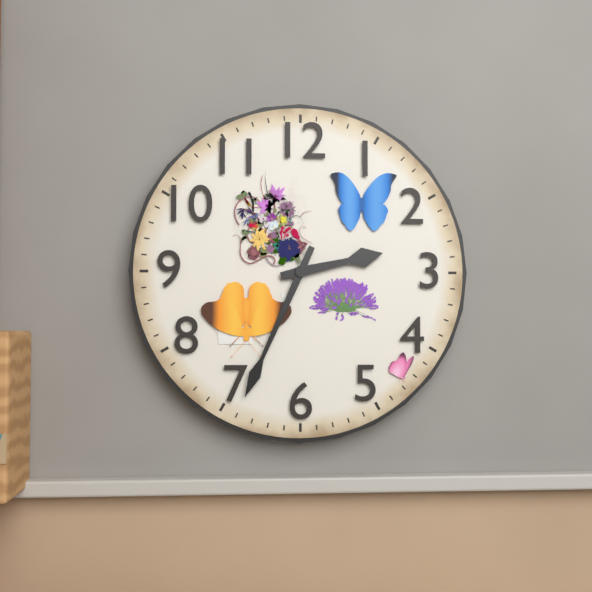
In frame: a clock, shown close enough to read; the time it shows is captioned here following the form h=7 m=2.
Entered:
h=2 m=34
